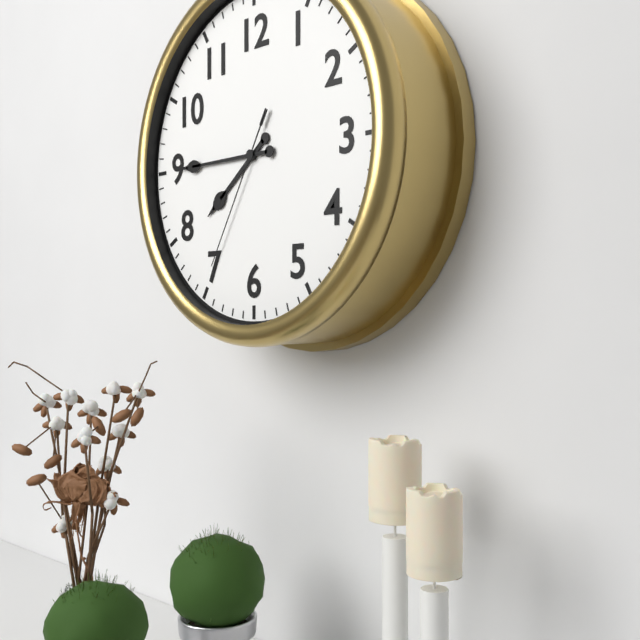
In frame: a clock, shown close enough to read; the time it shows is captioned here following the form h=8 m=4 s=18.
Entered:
h=7 m=45 s=35
